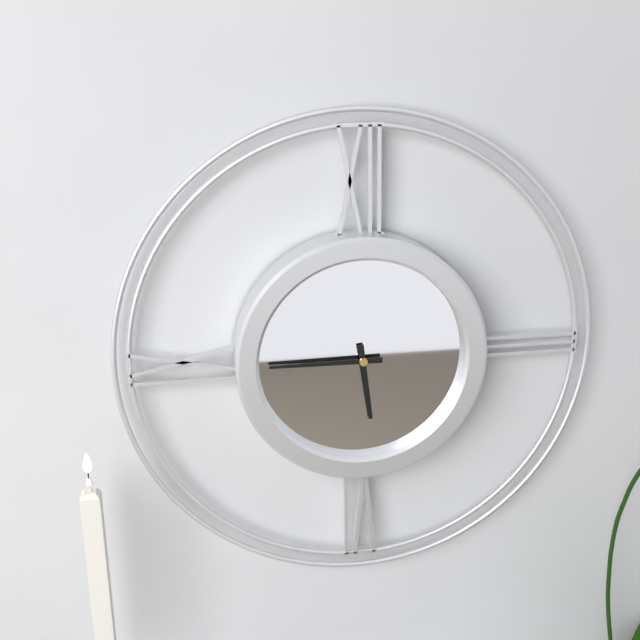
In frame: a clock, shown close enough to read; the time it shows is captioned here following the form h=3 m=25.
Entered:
h=5 m=45
